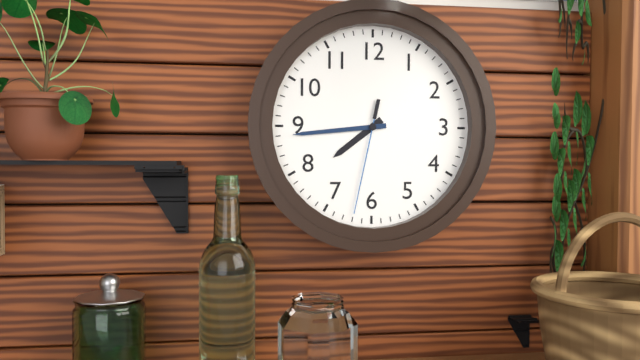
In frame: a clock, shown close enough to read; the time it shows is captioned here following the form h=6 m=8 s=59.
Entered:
h=7 m=44 s=32
